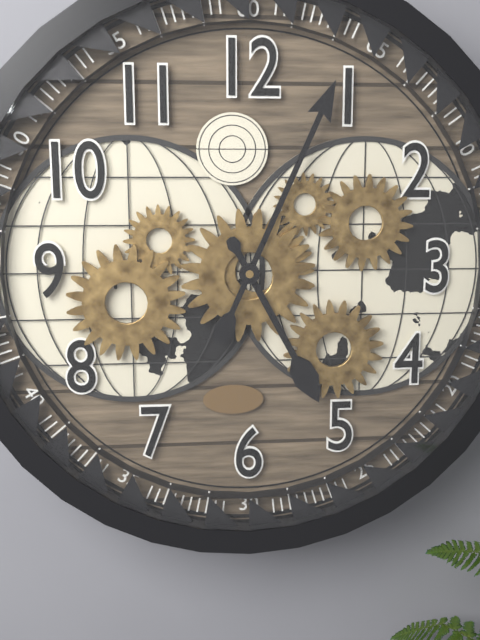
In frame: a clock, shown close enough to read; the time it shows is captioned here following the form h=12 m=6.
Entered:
h=5 m=4
